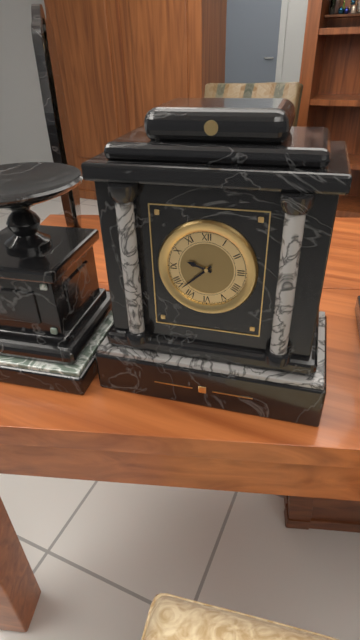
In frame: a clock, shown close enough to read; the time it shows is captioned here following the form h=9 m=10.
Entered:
h=9 m=38
